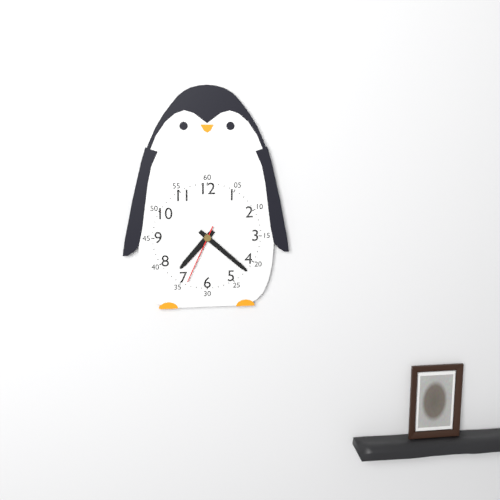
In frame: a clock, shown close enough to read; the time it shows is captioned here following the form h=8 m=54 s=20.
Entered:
h=7 m=22 s=34
